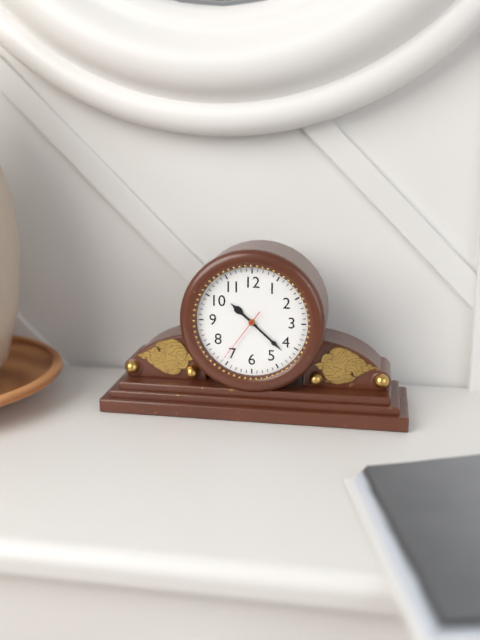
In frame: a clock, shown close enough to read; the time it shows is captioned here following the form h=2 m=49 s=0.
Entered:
h=10 m=22 s=36
